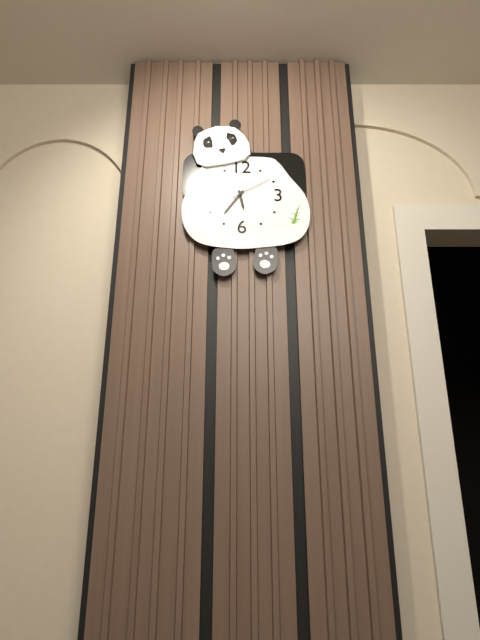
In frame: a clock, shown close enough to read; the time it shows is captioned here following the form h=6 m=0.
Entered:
h=5 m=36
